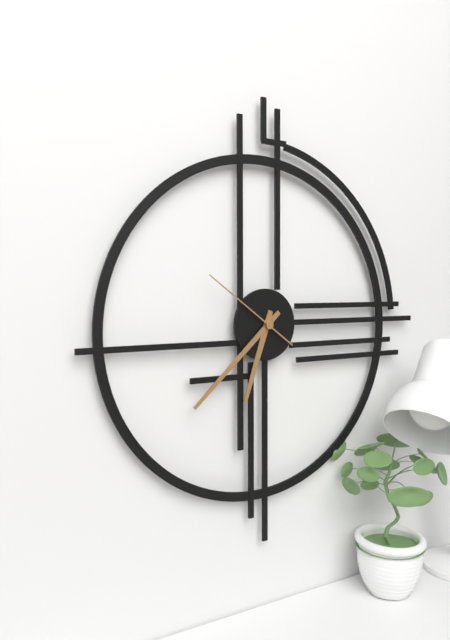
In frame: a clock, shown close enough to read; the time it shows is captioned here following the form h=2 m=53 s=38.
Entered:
h=6 m=38 s=51
